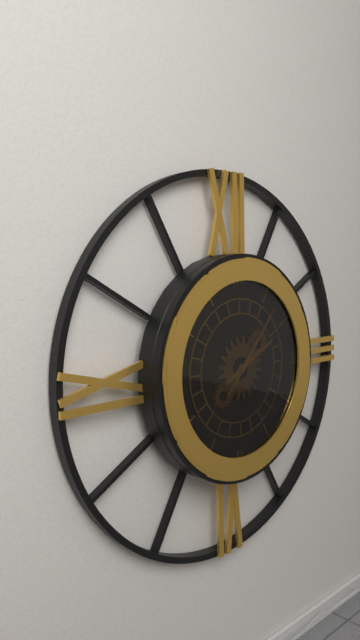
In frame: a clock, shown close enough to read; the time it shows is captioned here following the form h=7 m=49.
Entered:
h=2 m=7
